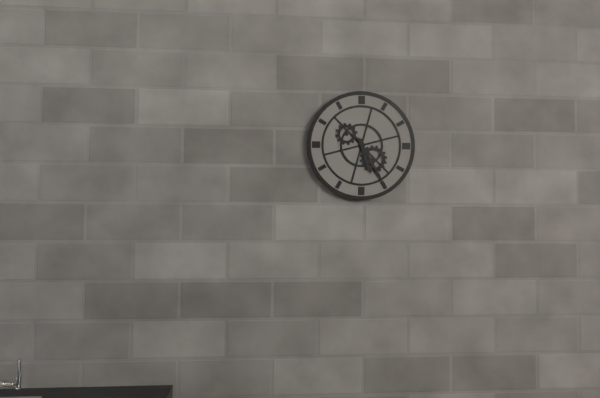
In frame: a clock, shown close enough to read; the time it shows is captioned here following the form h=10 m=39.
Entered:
h=5 m=25
